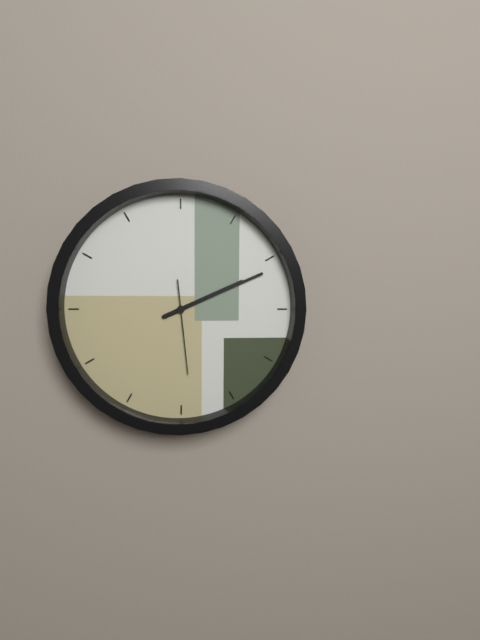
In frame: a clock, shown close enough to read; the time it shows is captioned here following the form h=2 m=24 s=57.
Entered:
h=2 m=11 s=29
